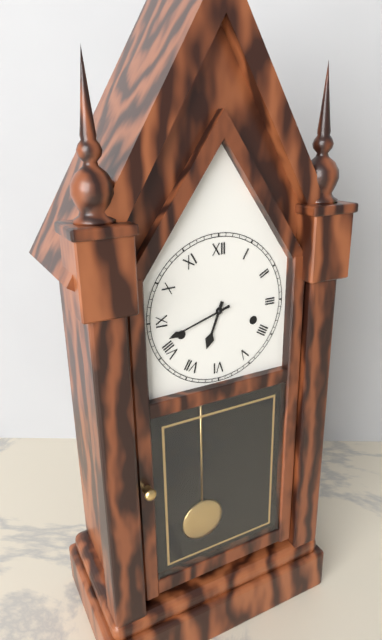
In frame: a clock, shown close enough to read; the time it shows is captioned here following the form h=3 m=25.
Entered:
h=6 m=42
